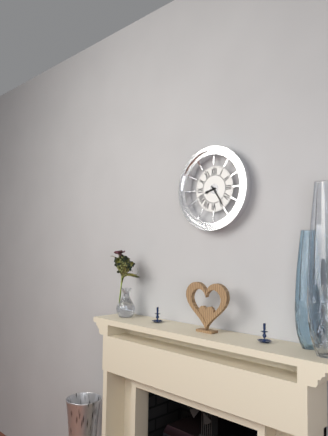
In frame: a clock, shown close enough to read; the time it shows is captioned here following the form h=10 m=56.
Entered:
h=8 m=24
